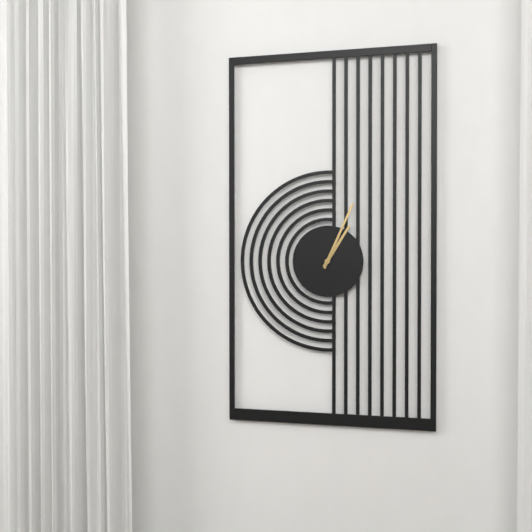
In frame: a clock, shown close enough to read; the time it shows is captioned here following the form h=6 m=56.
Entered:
h=1 m=4
